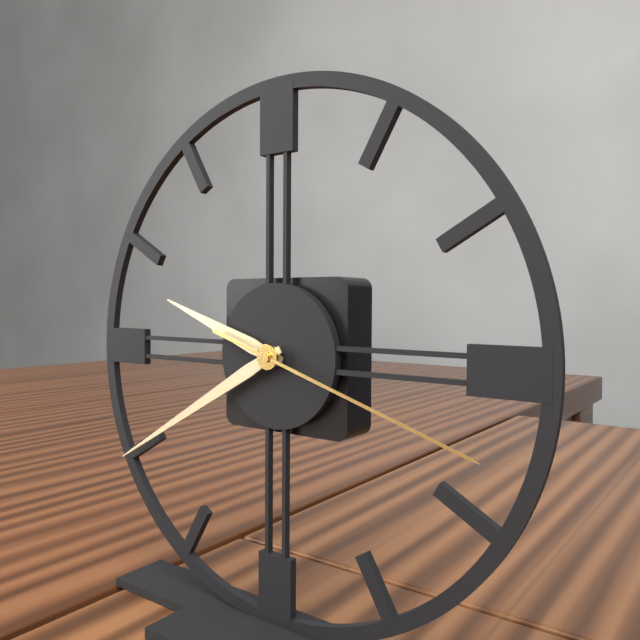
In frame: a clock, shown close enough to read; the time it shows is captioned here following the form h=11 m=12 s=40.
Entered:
h=9 m=40 s=18
